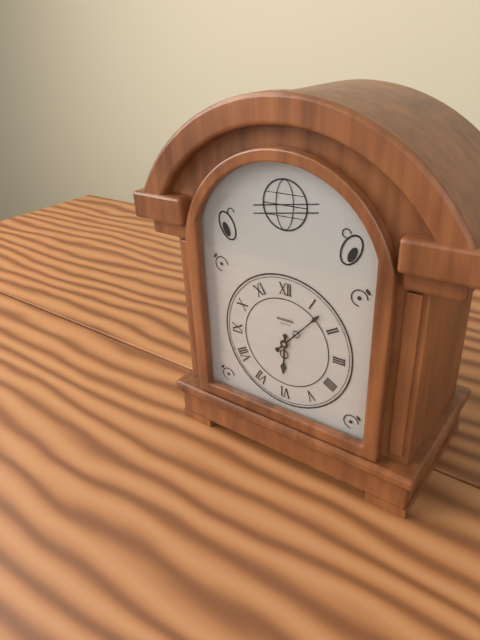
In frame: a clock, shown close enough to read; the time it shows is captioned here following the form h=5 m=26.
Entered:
h=6 m=7
